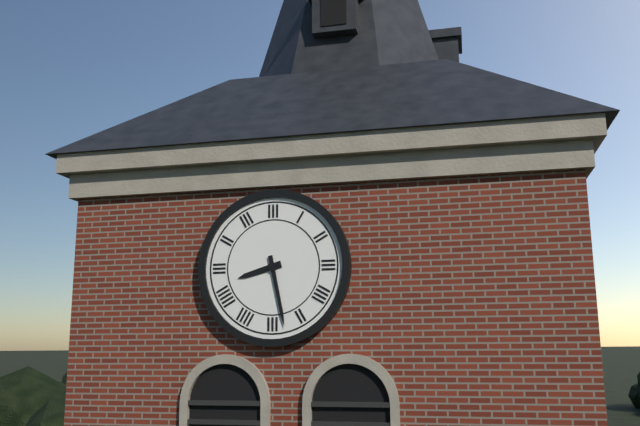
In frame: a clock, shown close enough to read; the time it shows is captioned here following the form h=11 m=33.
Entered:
h=8 m=28
